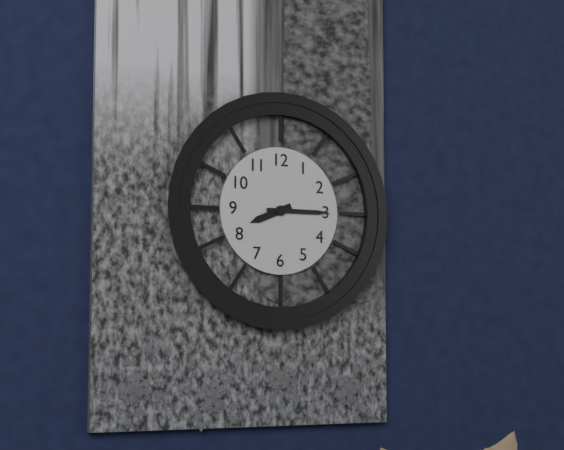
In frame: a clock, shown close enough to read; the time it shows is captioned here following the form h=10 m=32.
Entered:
h=8 m=15
